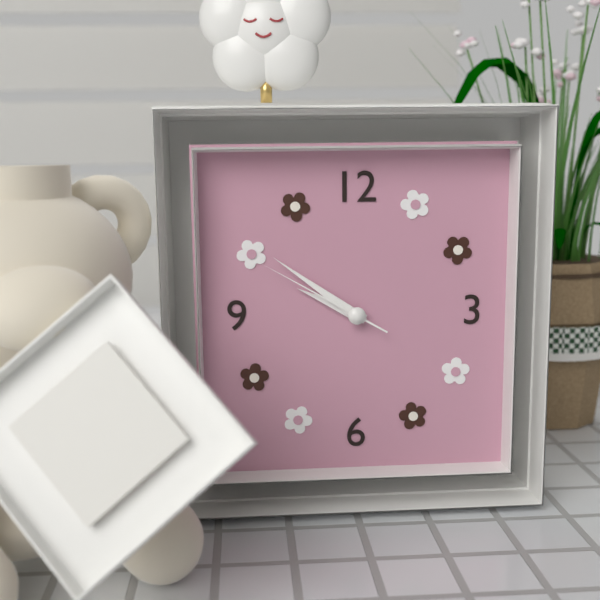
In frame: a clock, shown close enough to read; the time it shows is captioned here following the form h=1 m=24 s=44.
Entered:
h=9 m=51 s=50
